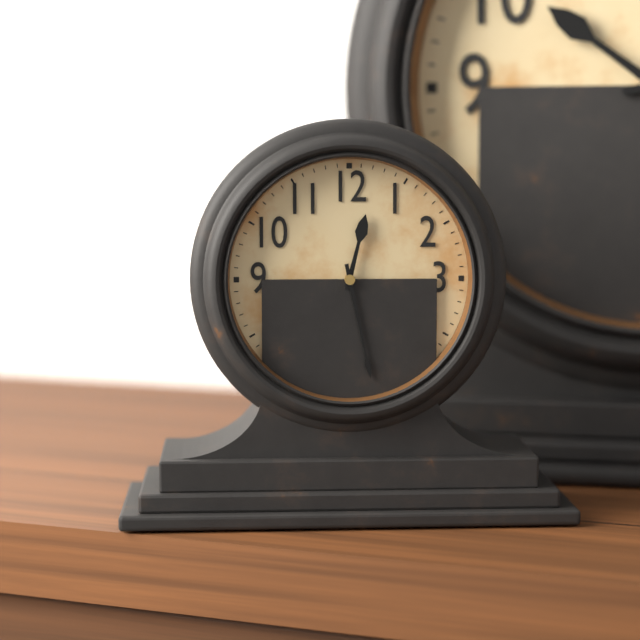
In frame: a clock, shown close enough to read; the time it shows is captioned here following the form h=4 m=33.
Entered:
h=12 m=28
